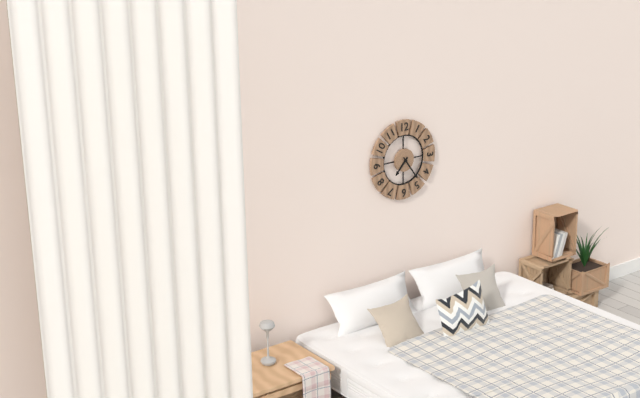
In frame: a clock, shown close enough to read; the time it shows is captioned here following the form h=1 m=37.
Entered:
h=7 m=24
